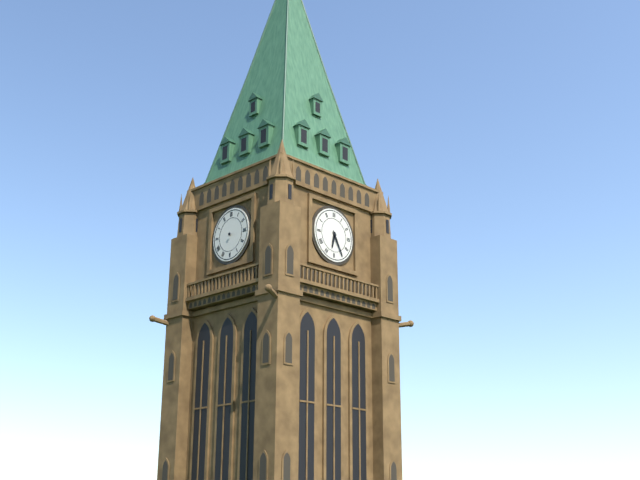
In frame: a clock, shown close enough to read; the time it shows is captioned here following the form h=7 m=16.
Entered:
h=6 m=25
